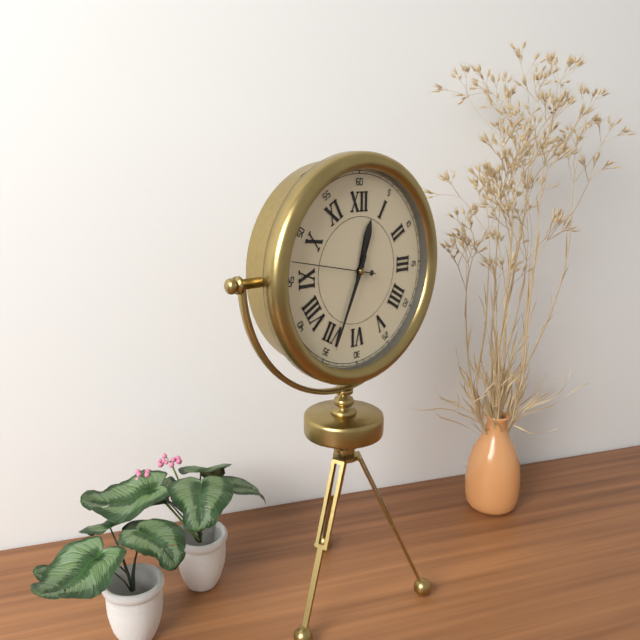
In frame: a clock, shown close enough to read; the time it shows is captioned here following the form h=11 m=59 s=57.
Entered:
h=12 m=34 s=47
